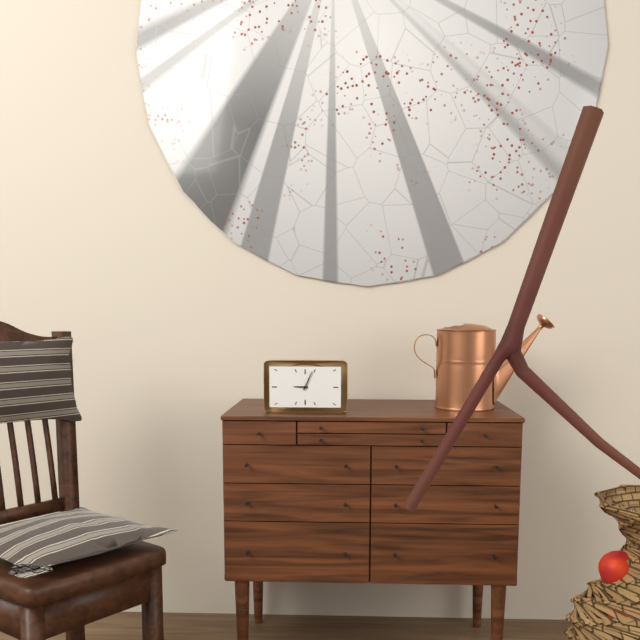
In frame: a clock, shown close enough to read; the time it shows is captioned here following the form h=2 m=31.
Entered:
h=9 m=4
